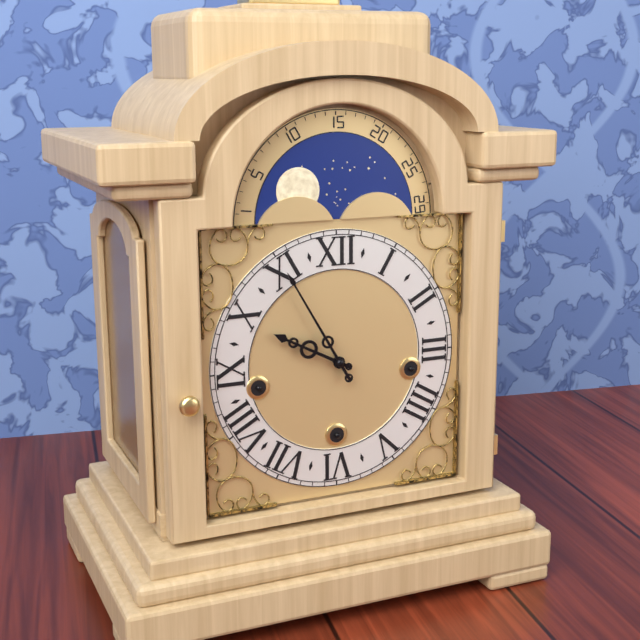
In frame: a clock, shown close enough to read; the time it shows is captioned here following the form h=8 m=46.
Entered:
h=9 m=55
